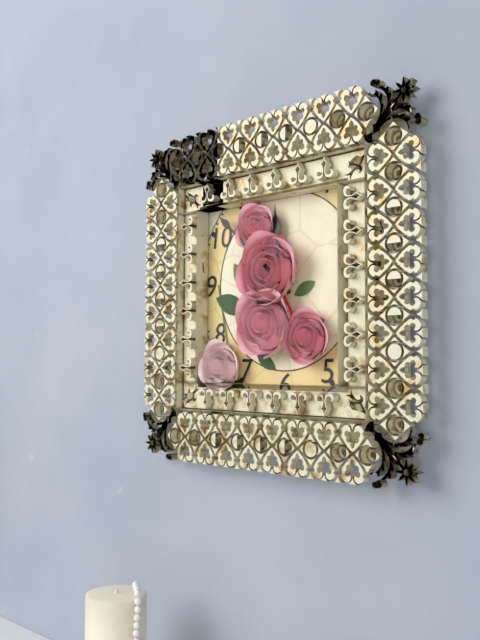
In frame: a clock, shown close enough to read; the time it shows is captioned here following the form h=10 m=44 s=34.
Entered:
h=11 m=52 s=55
